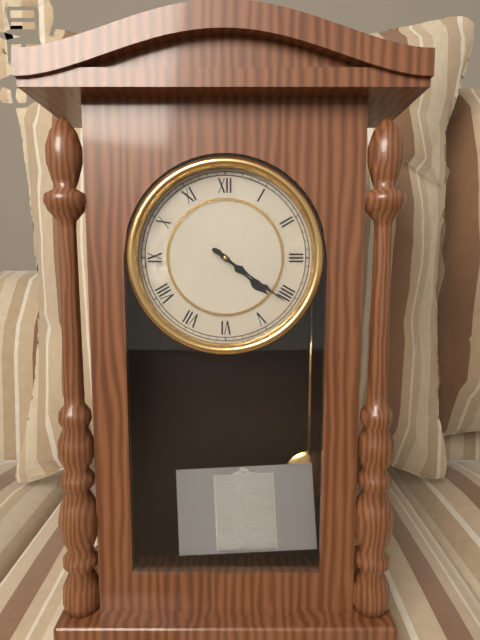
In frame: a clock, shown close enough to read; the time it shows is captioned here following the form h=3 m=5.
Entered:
h=4 m=21
